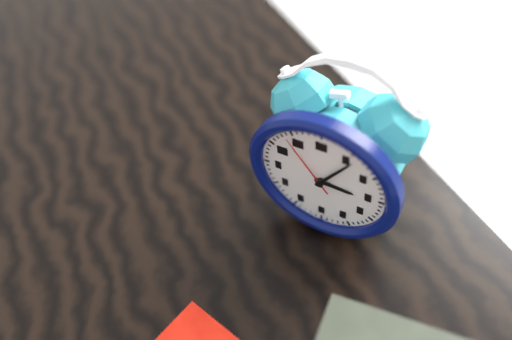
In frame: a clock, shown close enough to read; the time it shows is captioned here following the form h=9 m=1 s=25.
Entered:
h=3 m=6 s=54
